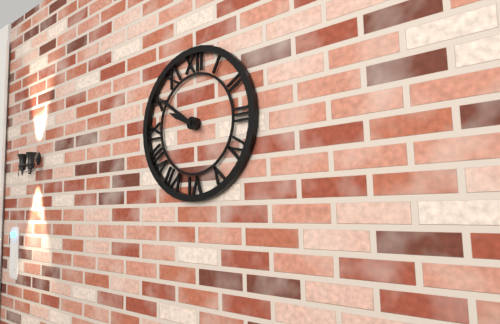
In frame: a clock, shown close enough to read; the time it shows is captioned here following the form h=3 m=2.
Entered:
h=9 m=51
